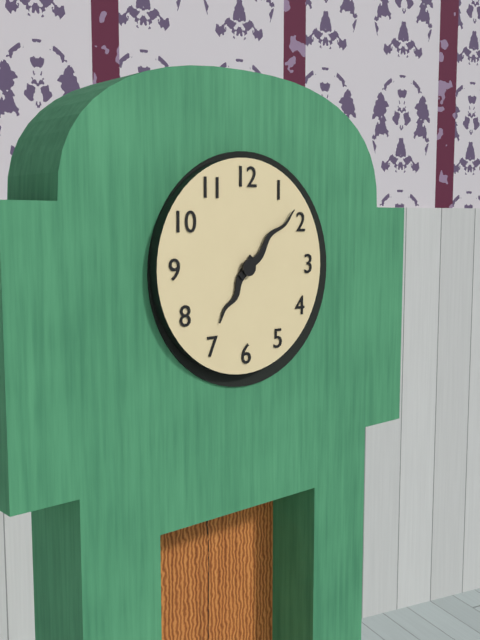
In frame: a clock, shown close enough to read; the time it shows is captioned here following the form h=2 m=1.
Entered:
h=7 m=8
